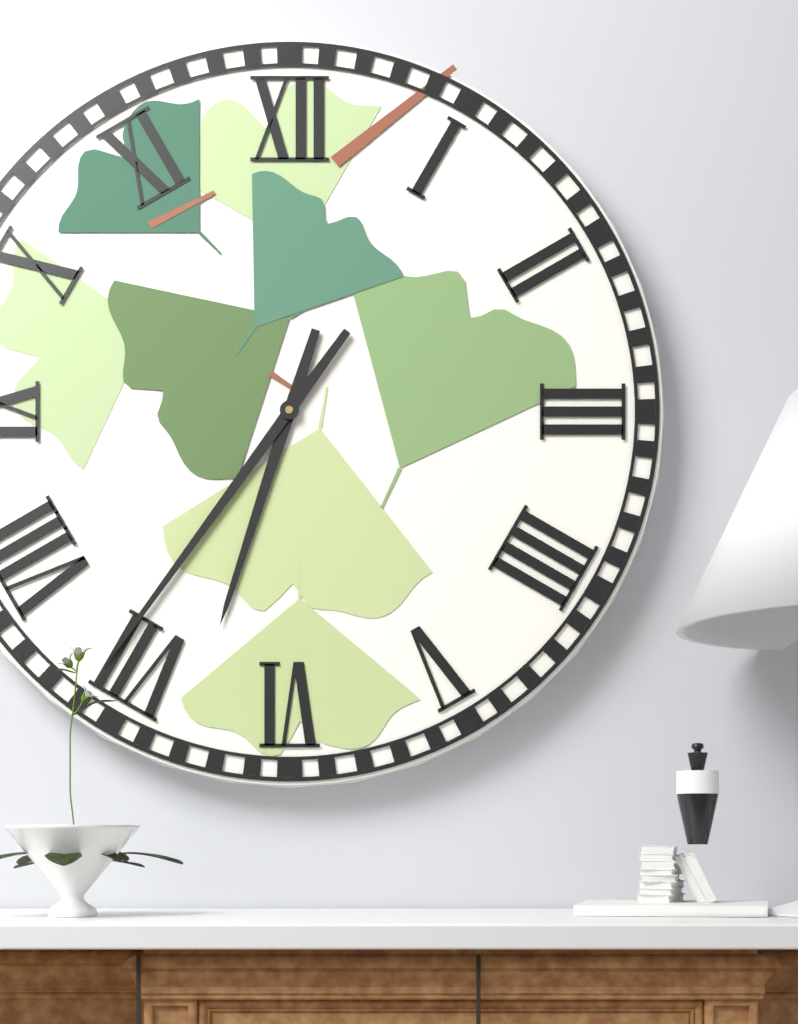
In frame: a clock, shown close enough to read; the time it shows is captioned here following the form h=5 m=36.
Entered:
h=6 m=36
